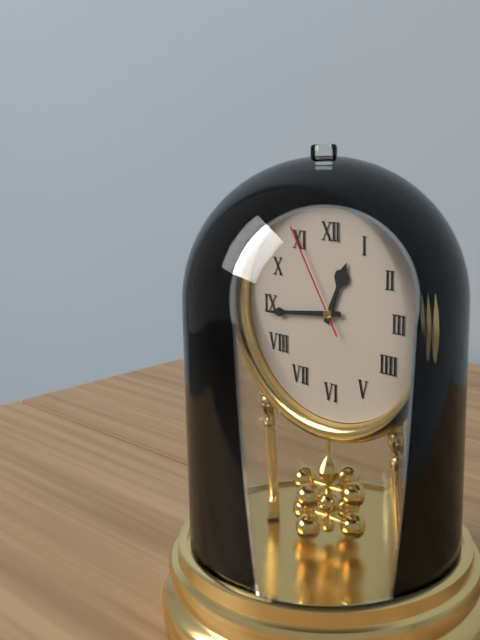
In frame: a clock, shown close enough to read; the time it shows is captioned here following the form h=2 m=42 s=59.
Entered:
h=12 m=44 s=55
